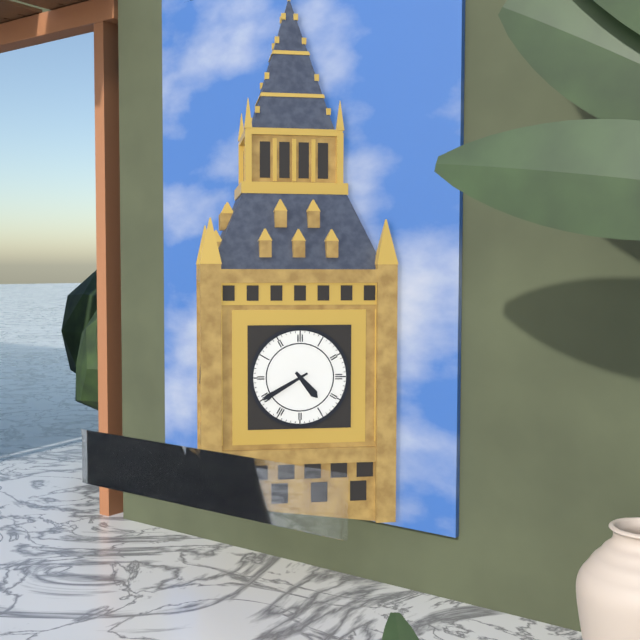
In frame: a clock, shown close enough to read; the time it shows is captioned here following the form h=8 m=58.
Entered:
h=4 m=40
